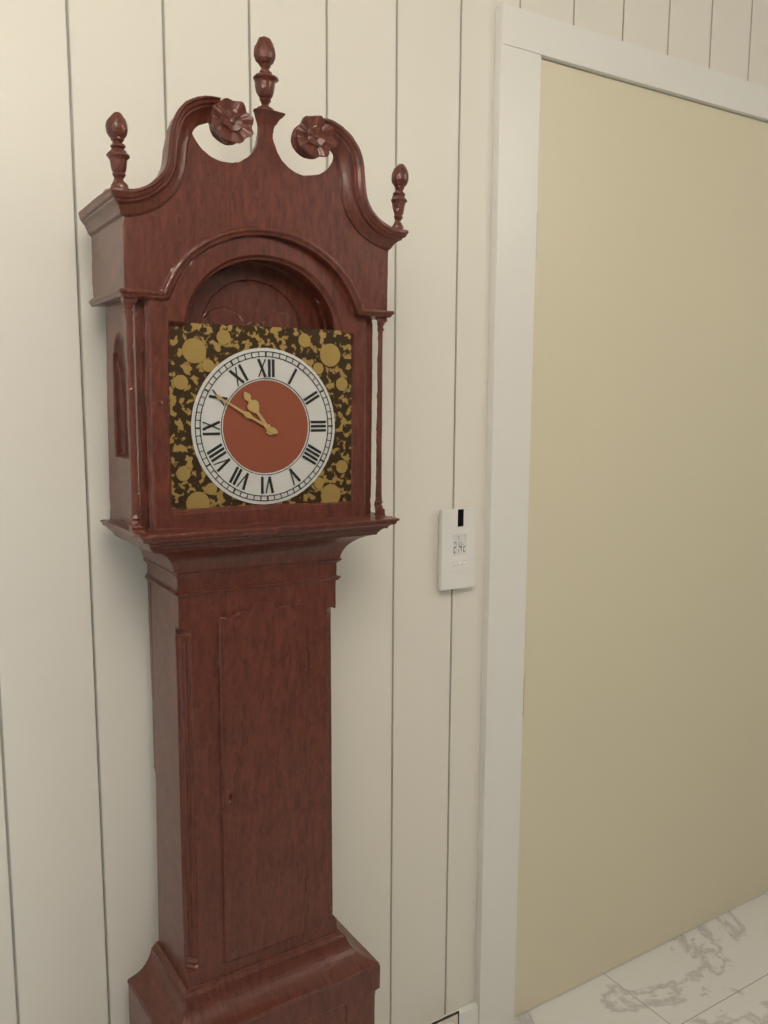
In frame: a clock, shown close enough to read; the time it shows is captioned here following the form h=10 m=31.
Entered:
h=10 m=50
